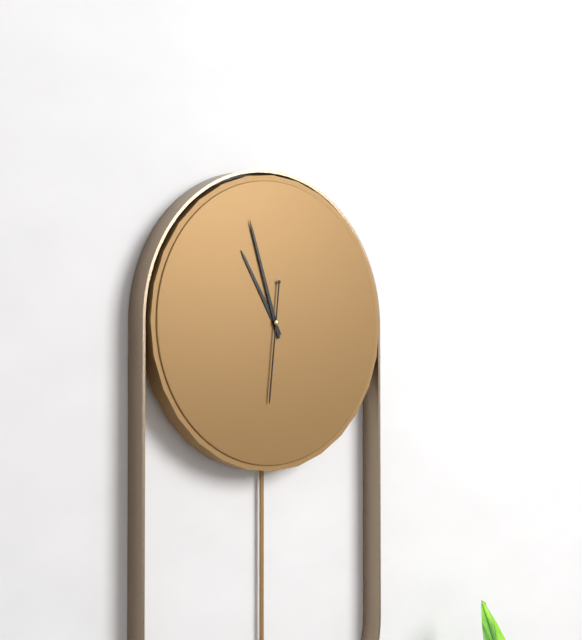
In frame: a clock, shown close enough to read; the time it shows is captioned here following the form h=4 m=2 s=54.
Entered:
h=10 m=57 s=31
